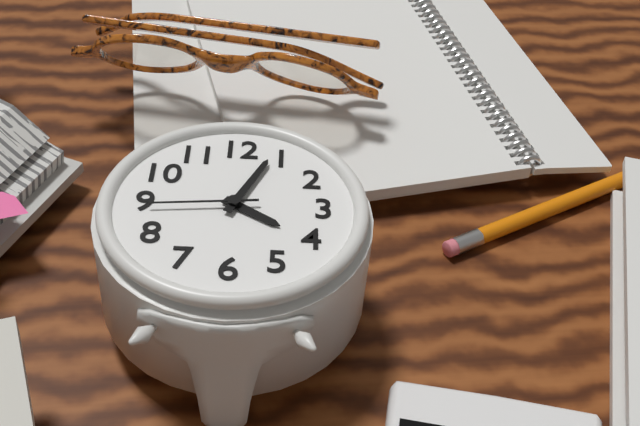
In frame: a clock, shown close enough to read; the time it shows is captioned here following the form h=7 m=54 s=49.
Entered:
h=4 m=4 s=44
